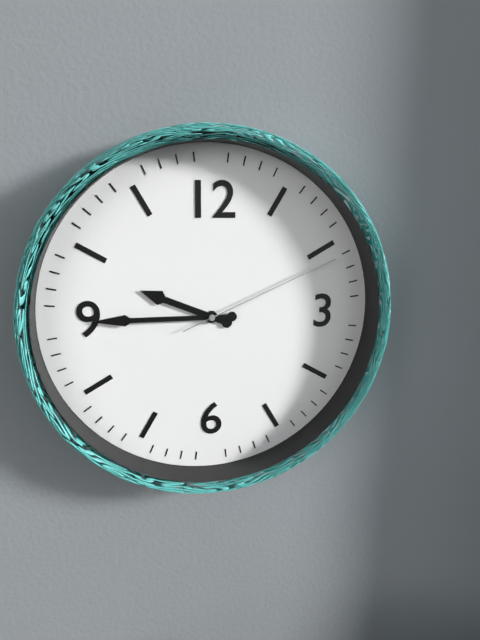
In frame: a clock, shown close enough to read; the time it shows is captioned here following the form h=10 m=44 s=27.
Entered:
h=9 m=45 s=11
